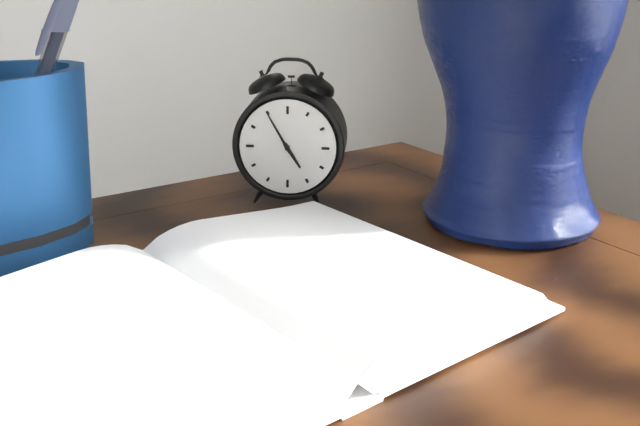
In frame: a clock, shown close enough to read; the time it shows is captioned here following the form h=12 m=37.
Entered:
h=4 m=55
